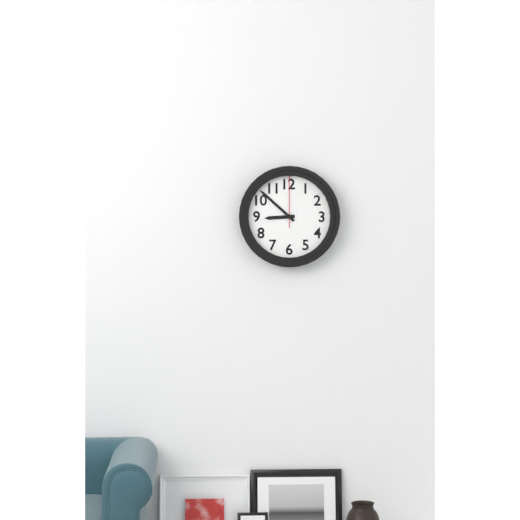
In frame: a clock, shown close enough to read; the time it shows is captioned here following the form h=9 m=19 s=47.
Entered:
h=8 m=52 s=0
